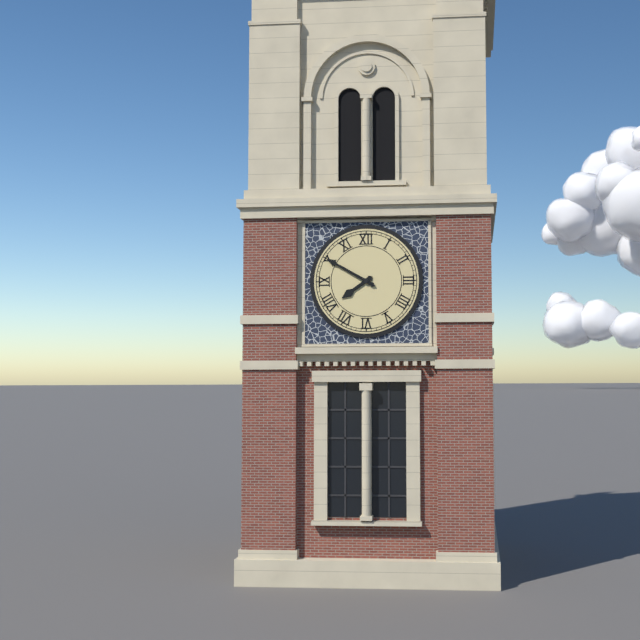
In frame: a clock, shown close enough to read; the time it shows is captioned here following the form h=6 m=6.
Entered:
h=7 m=50
